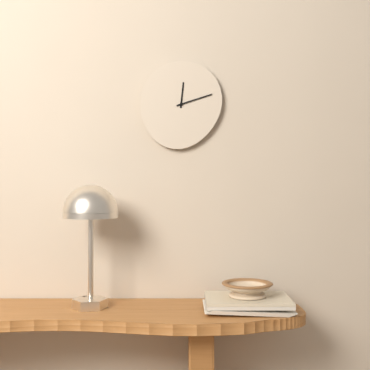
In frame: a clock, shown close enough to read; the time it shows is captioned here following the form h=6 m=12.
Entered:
h=12 m=12
